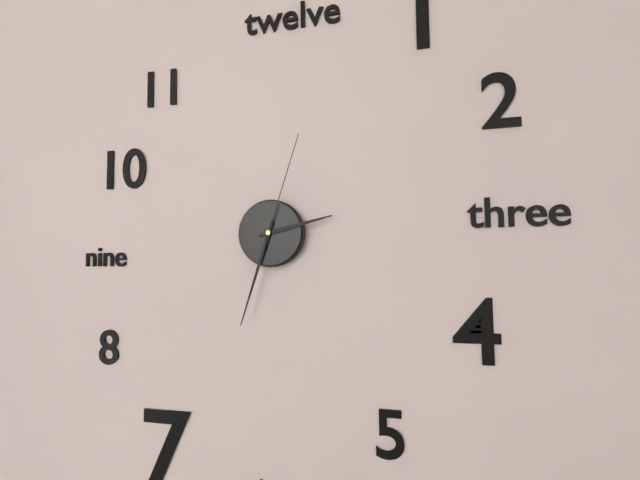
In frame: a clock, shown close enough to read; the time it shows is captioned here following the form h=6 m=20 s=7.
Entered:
h=2 m=33 s=3
